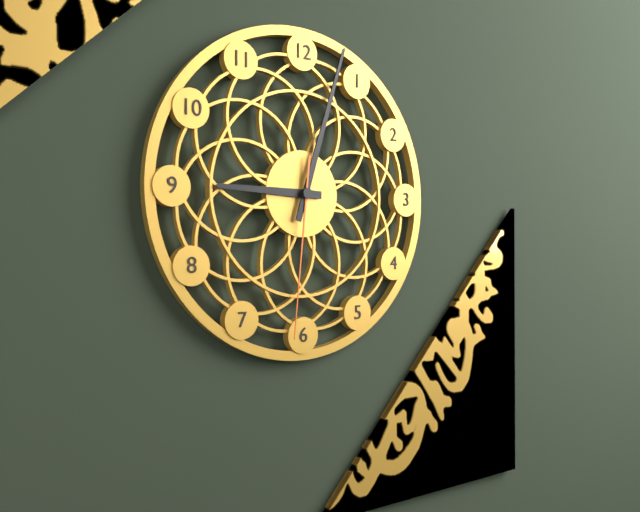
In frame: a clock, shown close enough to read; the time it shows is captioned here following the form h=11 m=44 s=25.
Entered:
h=9 m=3 s=31
